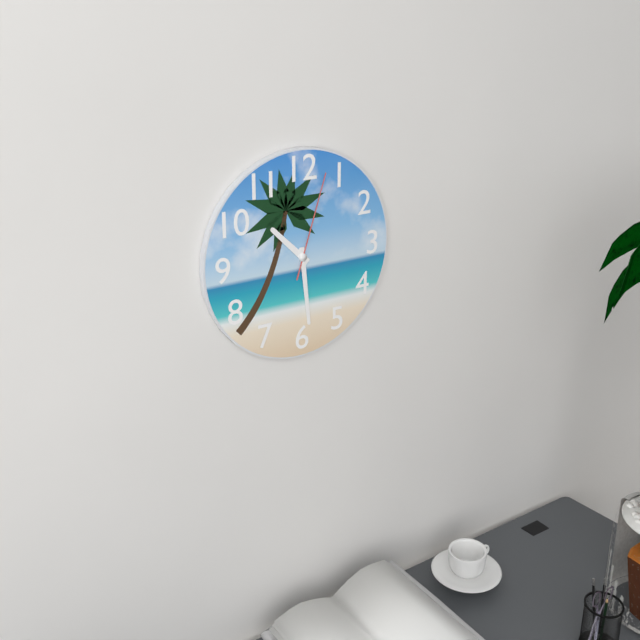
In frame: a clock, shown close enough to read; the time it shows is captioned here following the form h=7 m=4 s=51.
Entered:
h=10 m=29 s=3
